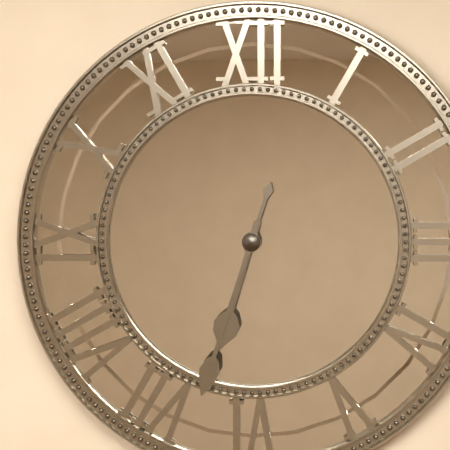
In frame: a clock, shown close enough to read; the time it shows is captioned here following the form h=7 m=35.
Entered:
h=6 m=33
